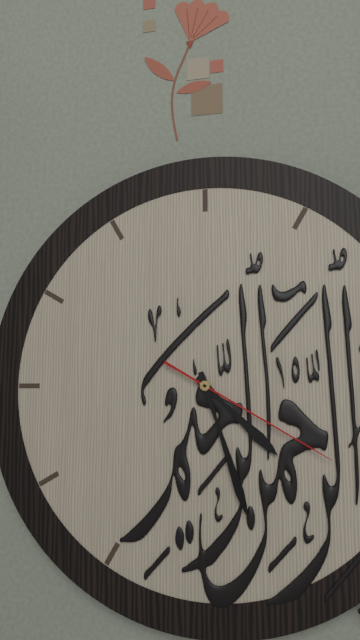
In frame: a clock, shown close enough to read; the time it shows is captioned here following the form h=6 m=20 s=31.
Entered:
h=4 m=27 s=20
